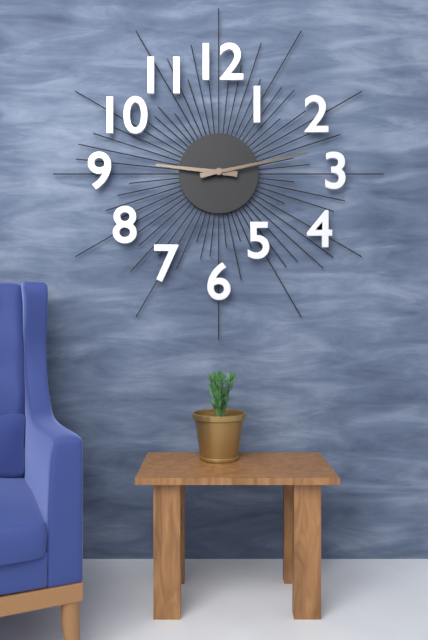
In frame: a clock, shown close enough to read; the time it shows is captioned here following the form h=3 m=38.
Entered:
h=9 m=13
